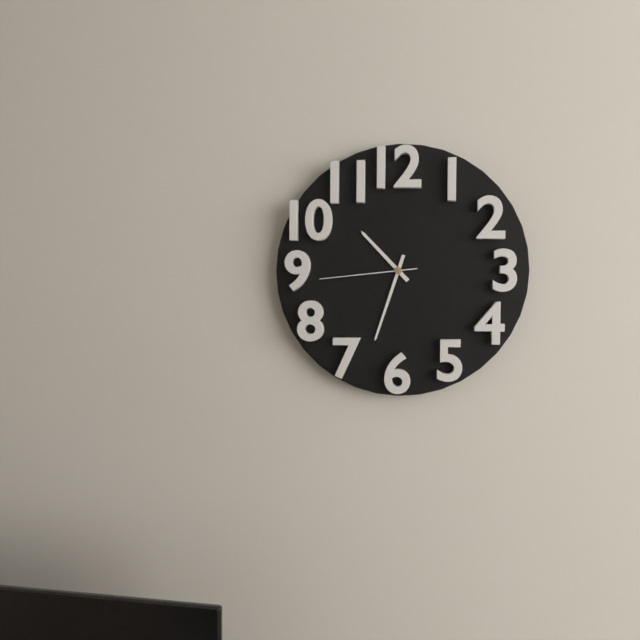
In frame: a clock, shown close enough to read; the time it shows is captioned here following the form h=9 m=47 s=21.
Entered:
h=10 m=33 s=44
